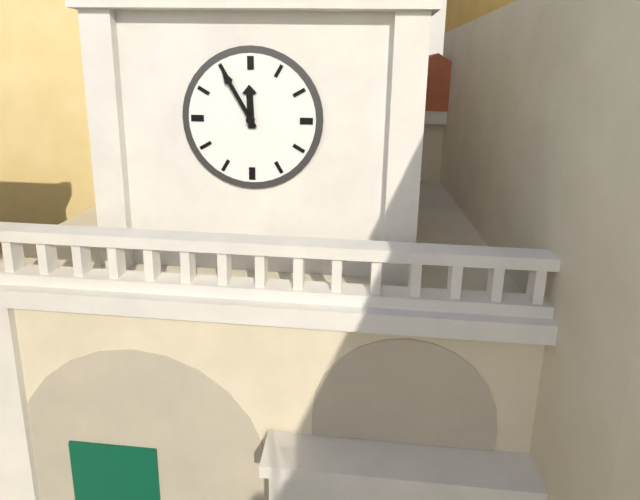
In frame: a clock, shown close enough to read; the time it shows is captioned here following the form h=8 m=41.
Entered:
h=11 m=55
